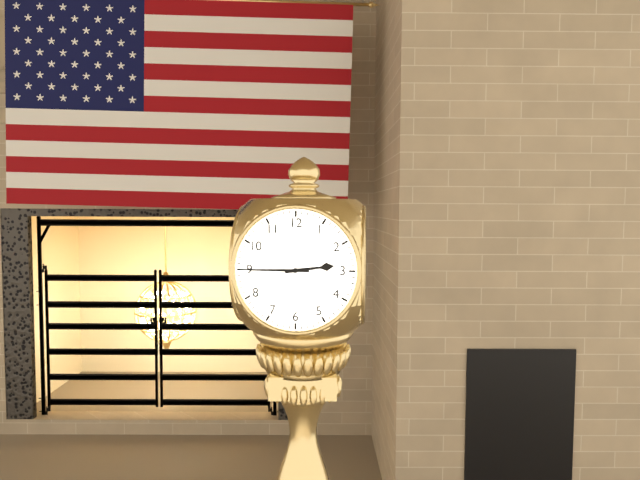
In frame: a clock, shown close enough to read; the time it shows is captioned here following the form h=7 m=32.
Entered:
h=2 m=45
